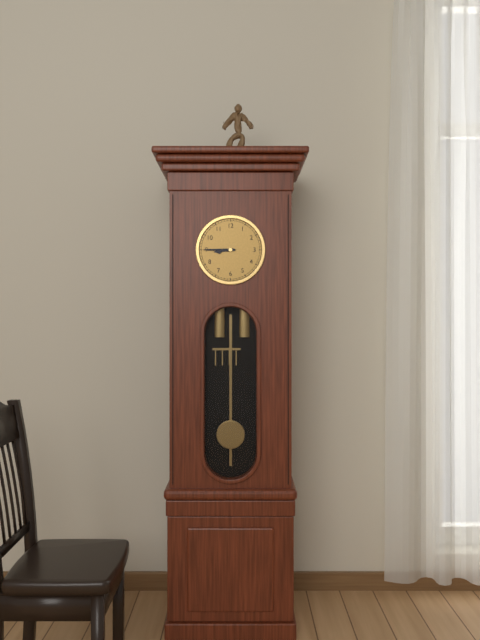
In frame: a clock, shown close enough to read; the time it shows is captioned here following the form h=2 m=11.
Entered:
h=8 m=45
